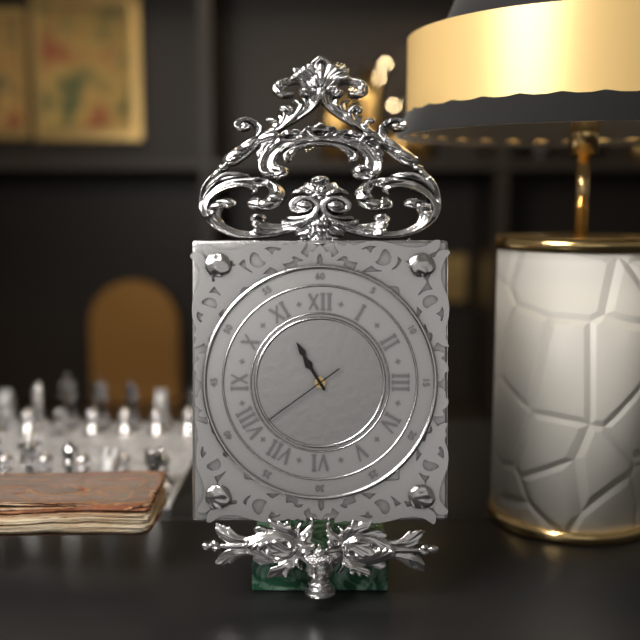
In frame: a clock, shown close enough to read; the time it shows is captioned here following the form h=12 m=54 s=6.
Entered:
h=10 m=55 s=39
